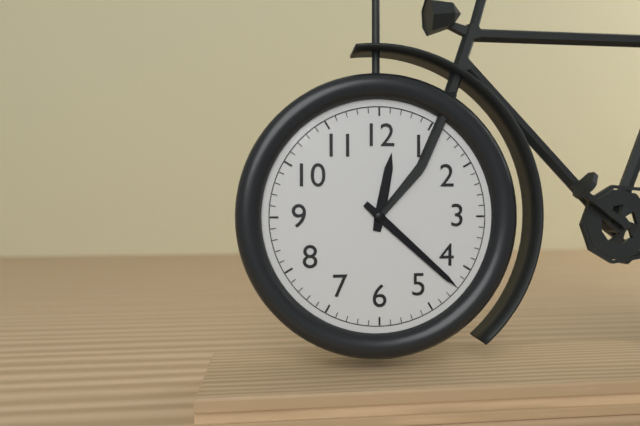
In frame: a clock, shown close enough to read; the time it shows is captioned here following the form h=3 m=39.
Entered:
h=12 m=22
